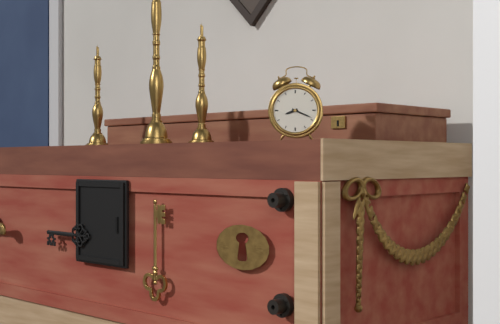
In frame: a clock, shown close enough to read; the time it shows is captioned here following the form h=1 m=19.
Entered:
h=8 m=19
